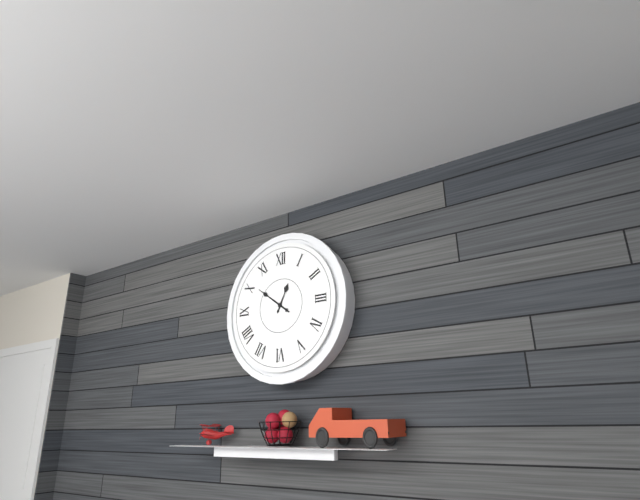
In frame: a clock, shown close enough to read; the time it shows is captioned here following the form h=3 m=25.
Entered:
h=12 m=51
